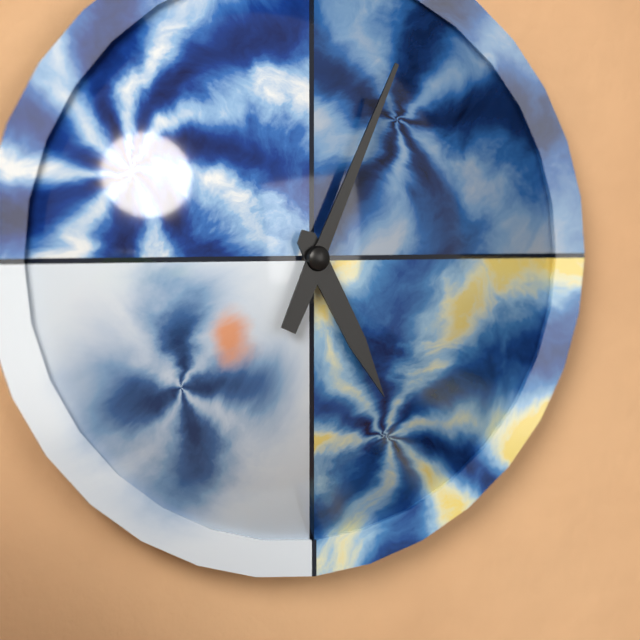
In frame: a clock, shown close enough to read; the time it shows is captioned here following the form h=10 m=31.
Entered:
h=5 m=4
